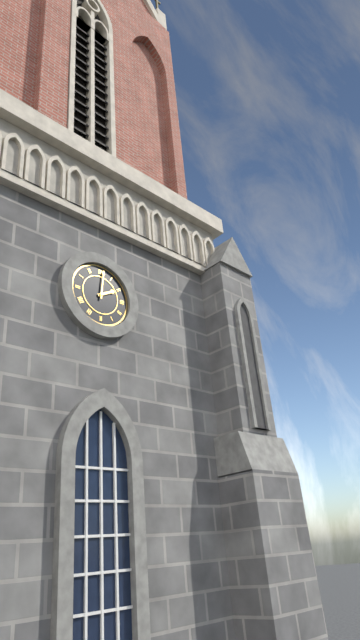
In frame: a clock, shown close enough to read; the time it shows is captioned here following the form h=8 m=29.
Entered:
h=2 m=1
